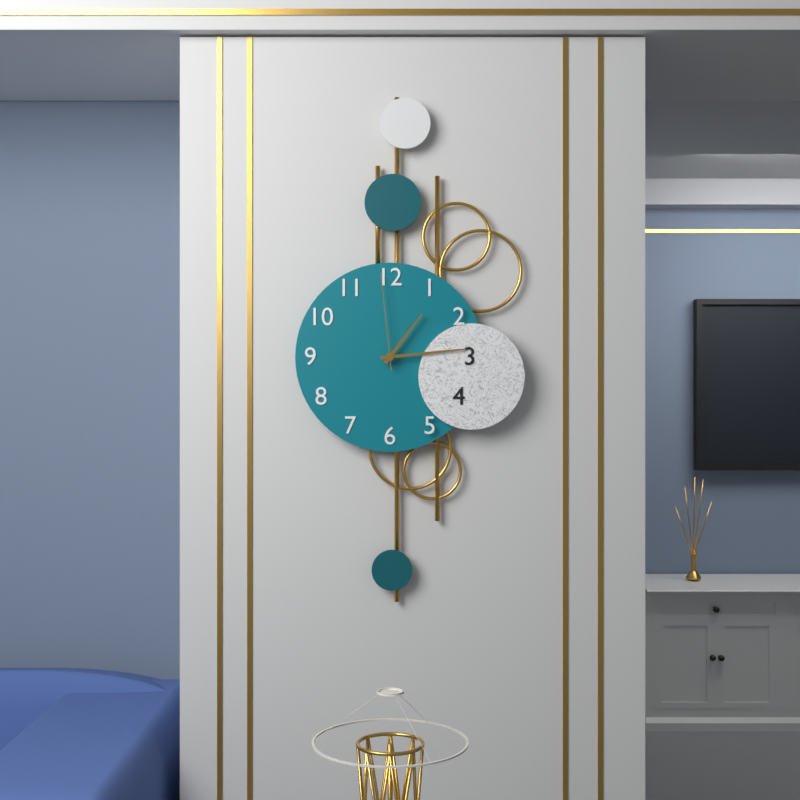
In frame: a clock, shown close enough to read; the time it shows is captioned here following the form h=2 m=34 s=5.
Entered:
h=1 m=14 s=59
